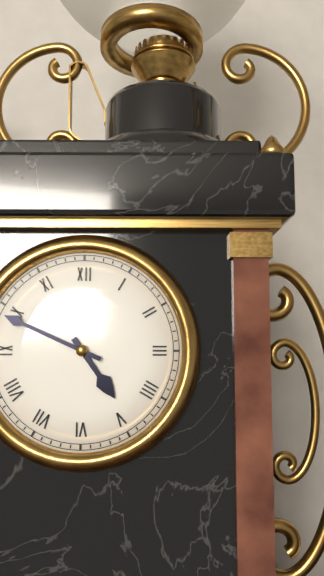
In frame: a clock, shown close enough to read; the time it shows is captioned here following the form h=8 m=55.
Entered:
h=4 m=49
